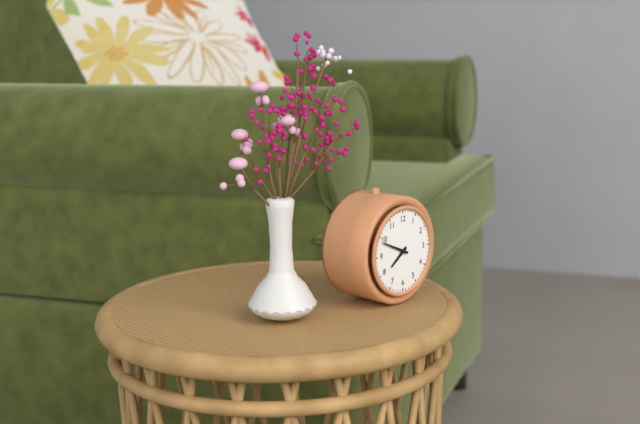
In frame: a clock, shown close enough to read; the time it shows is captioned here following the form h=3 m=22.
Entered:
h=7 m=49
